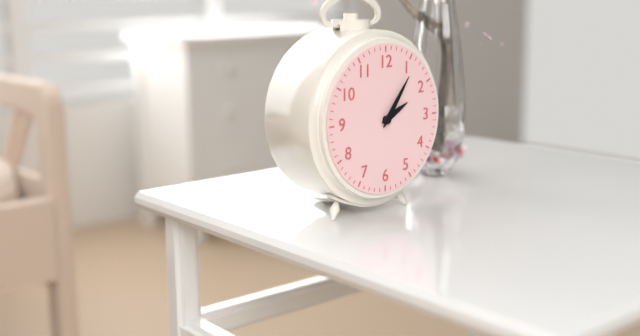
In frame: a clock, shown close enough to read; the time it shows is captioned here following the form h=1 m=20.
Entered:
h=2 m=6
